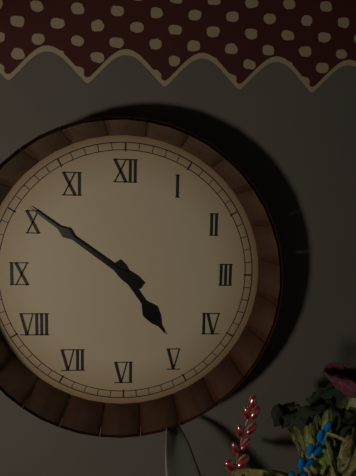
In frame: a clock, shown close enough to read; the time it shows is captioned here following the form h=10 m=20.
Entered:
h=4 m=51
